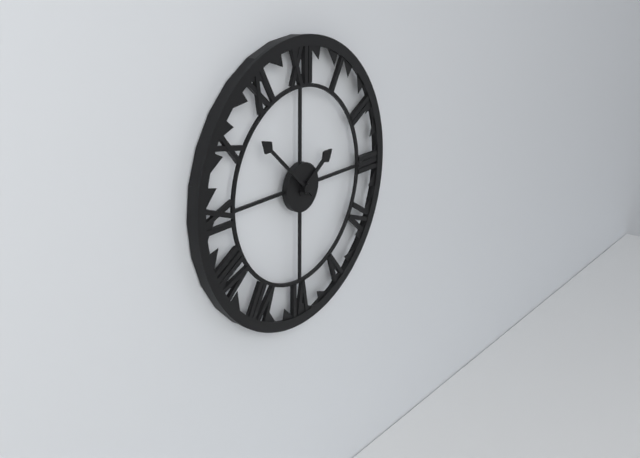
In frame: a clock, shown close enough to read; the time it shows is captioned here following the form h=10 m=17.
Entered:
h=1 m=52
